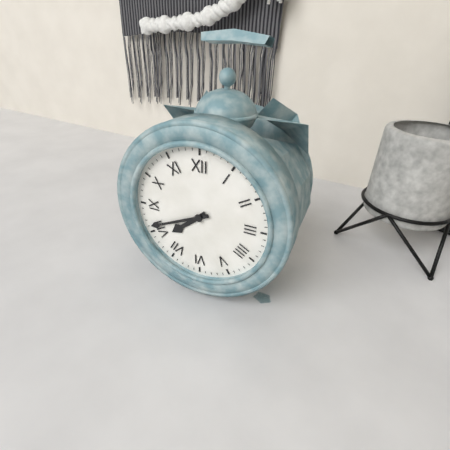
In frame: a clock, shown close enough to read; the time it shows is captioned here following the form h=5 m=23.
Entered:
h=7 m=41
